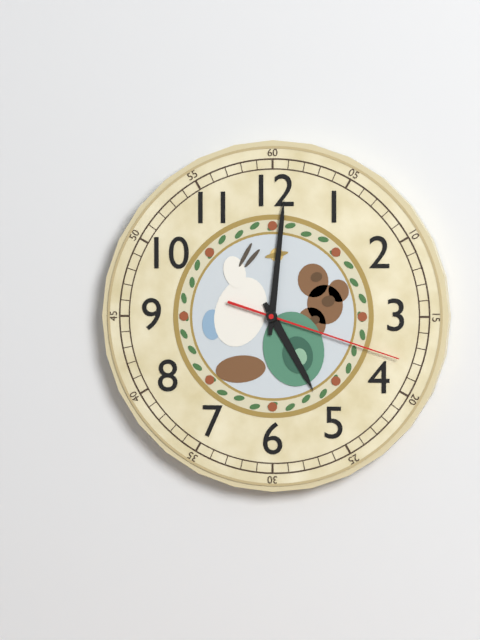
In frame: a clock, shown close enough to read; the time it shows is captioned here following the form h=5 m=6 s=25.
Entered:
h=5 m=1 s=18
